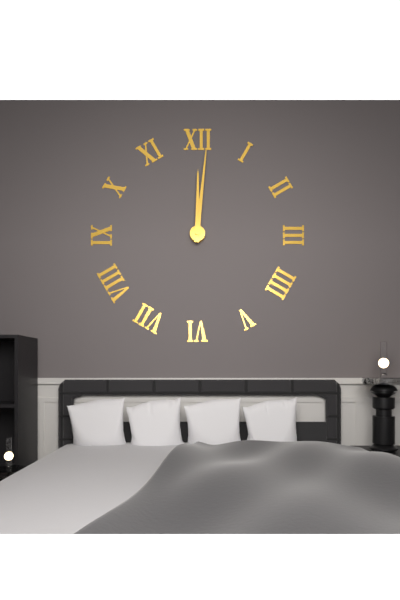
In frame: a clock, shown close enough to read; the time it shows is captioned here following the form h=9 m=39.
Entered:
h=12 m=1
